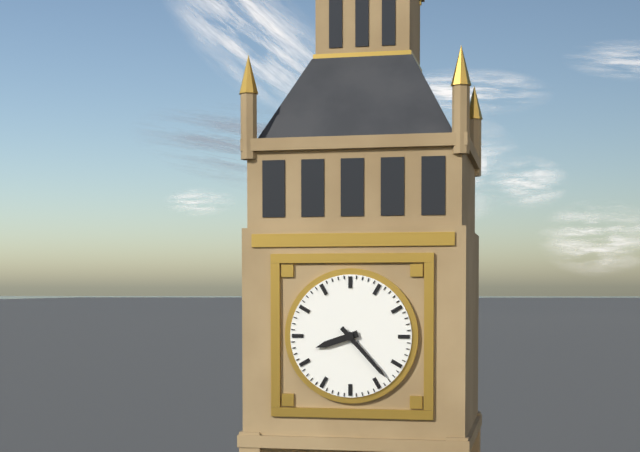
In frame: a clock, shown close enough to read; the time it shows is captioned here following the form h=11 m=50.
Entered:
h=8 m=23
